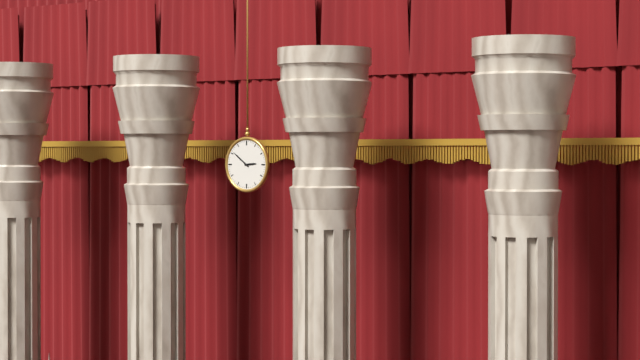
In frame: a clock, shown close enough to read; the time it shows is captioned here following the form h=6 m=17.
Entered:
h=2 m=51
